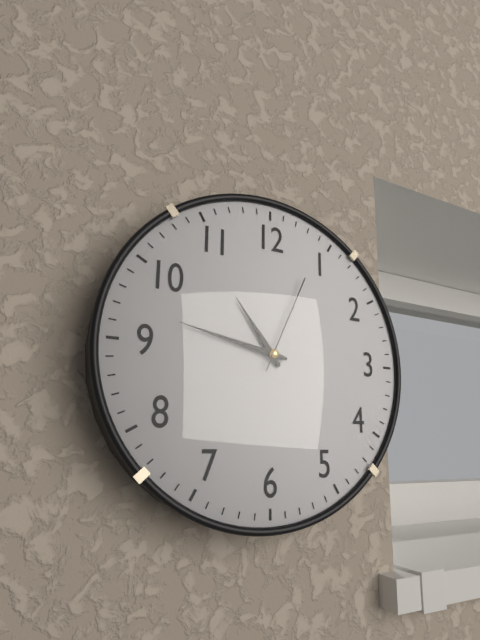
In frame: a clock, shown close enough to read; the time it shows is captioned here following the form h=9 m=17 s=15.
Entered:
h=10 m=47 s=4
